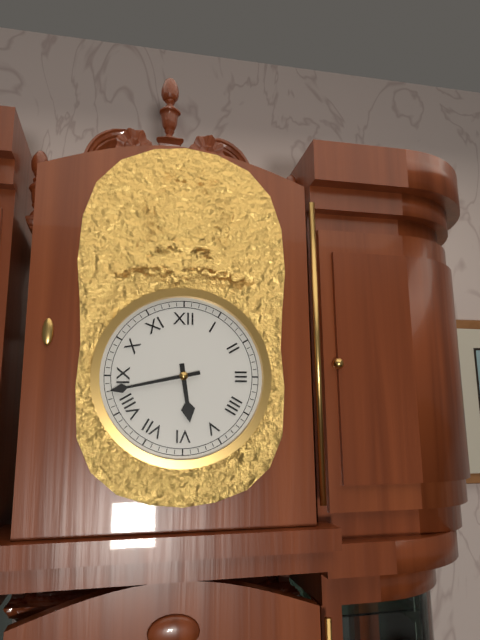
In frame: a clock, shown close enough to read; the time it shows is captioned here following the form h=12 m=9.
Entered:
h=5 m=43
